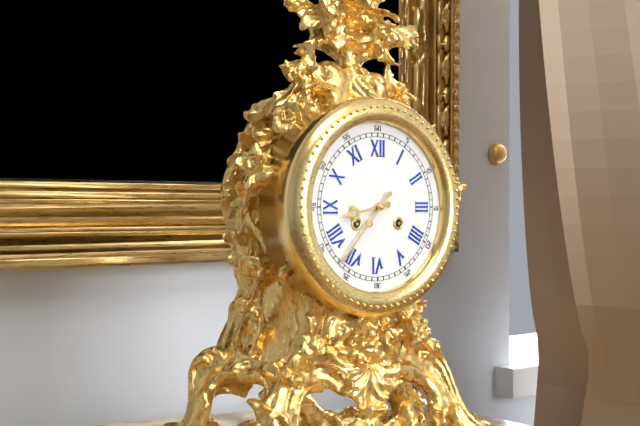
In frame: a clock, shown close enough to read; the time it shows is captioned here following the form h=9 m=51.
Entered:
h=8 m=37
